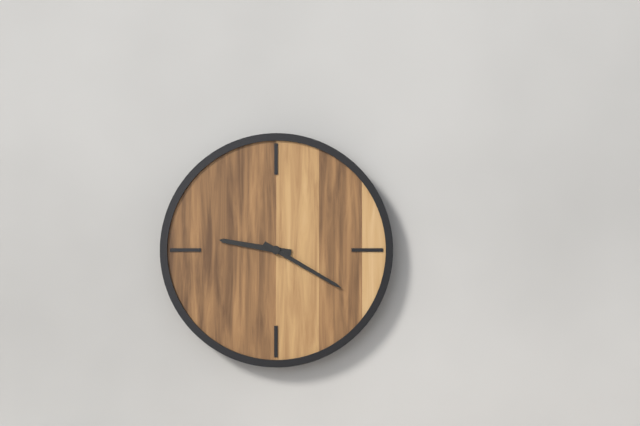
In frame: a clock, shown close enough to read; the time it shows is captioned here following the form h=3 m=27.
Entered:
h=9 m=20
